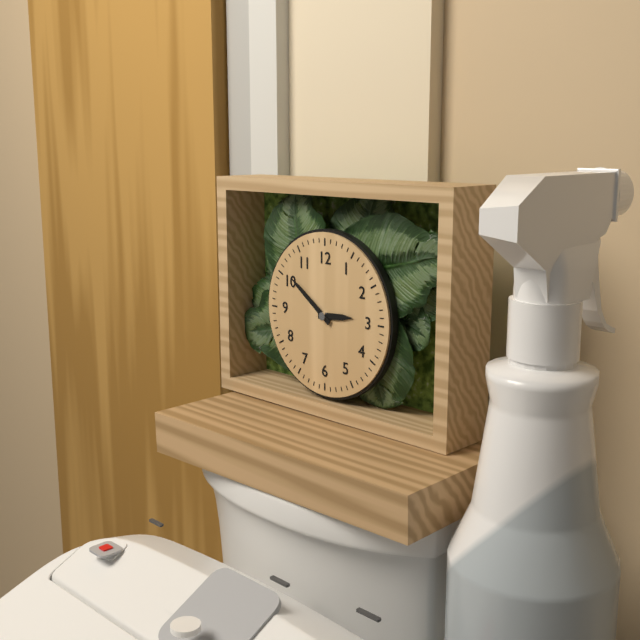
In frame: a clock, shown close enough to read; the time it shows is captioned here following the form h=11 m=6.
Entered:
h=2 m=51
